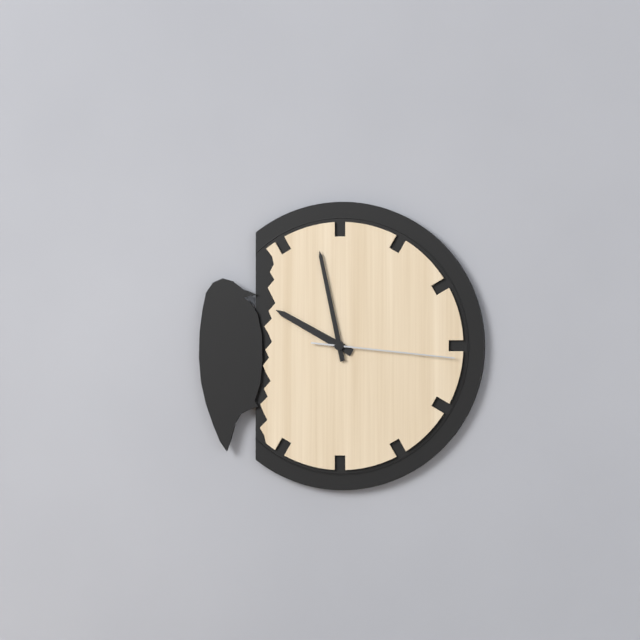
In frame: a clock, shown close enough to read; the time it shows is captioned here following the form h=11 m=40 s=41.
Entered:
h=9 m=58 s=16
